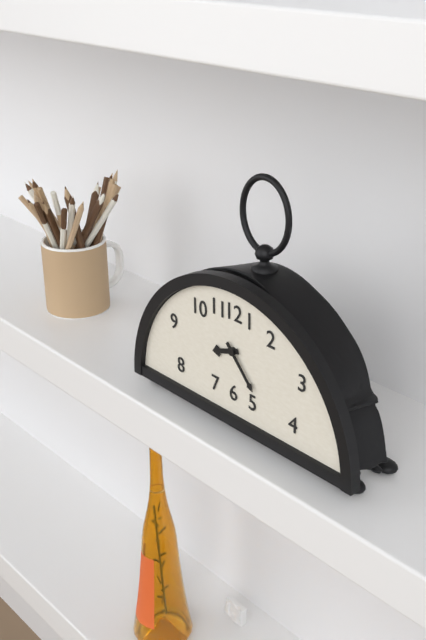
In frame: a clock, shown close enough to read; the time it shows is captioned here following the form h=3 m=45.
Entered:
h=8 m=23
